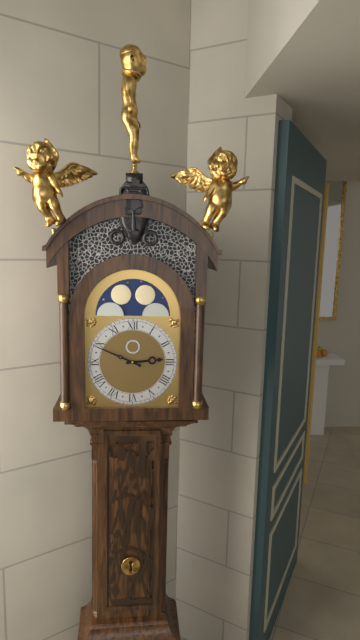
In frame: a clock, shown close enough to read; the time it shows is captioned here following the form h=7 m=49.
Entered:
h=2 m=49
